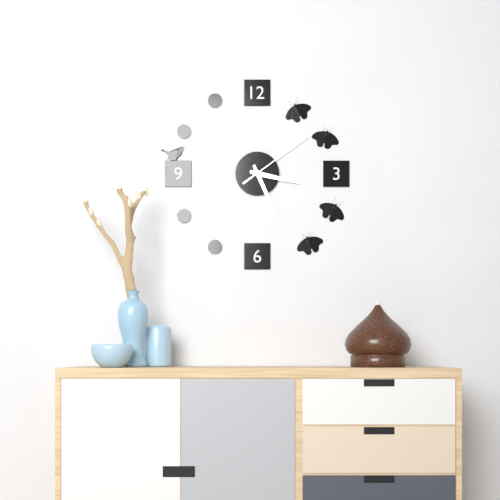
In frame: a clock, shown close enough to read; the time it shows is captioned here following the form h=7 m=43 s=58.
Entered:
h=3 m=26 s=9
